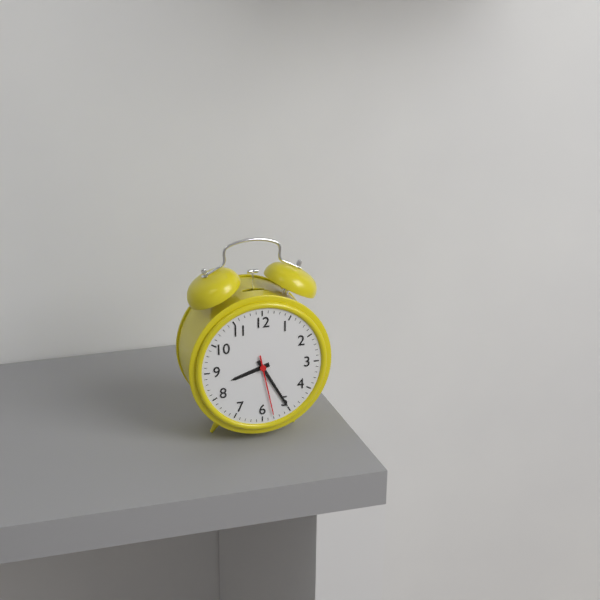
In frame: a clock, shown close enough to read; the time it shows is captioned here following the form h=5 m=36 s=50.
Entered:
h=8 m=25 s=28
